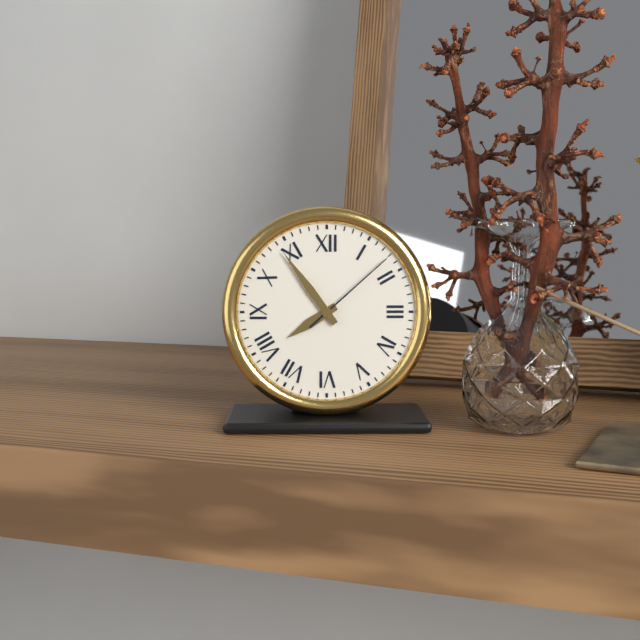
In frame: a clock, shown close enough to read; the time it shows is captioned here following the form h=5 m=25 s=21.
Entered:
h=7 m=54 s=8
